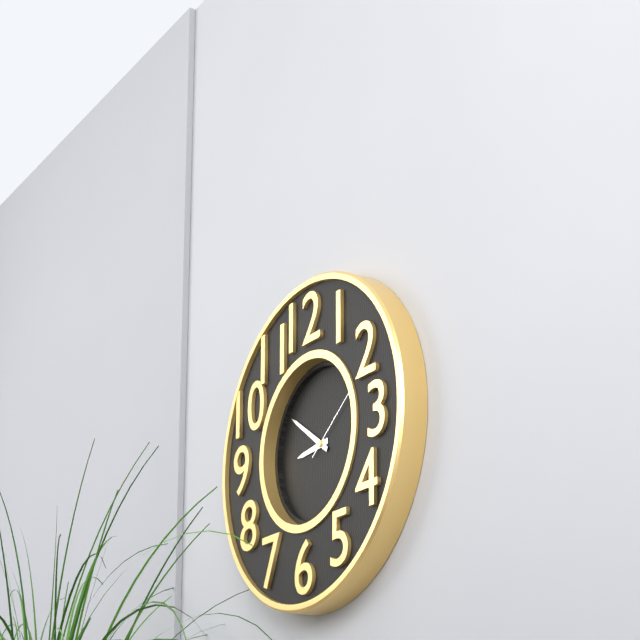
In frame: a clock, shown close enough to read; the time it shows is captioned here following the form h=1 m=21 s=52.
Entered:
h=8 m=51 s=9
